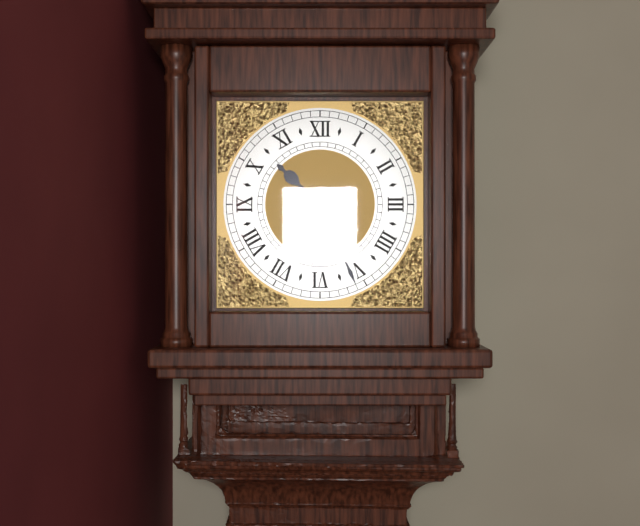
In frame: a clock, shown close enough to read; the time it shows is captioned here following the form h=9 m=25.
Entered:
h=10 m=26
